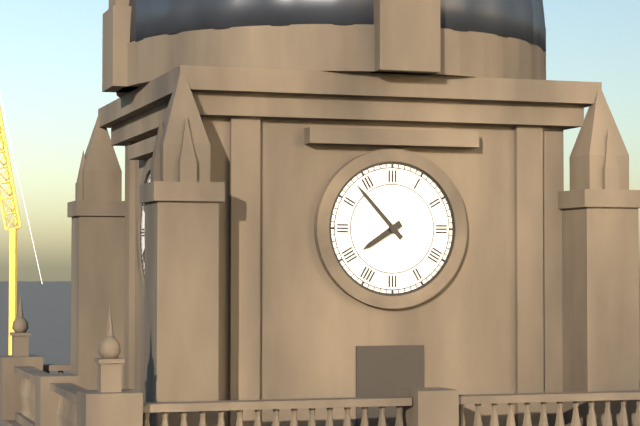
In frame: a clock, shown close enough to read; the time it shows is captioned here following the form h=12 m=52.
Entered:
h=7 m=53
